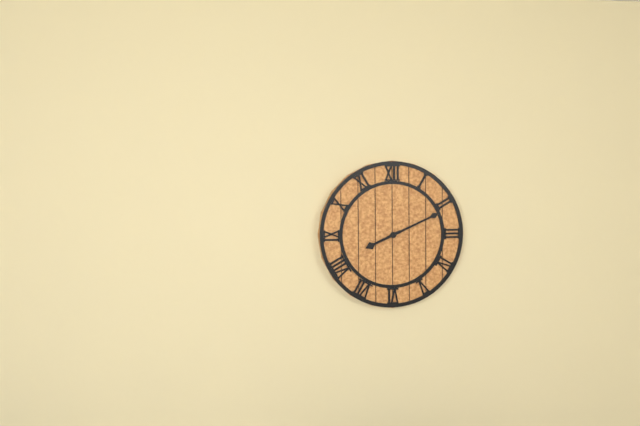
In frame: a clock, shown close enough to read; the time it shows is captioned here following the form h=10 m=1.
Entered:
h=8 m=11
